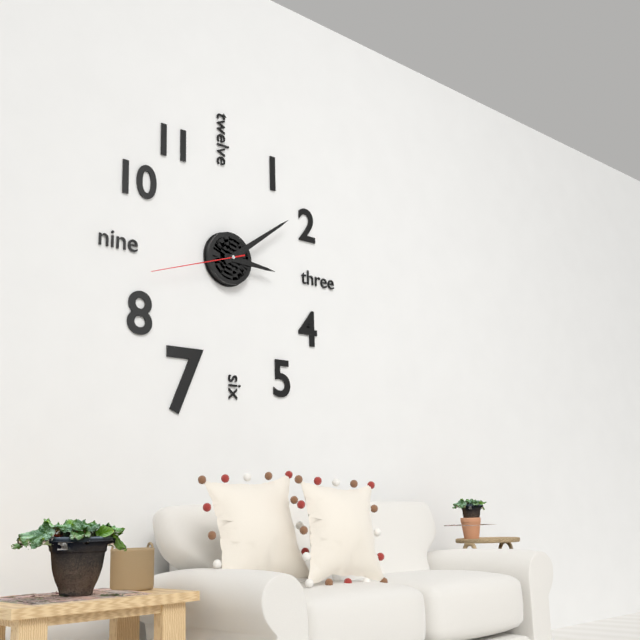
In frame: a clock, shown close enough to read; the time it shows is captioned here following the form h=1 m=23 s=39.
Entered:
h=3 m=9 s=42
